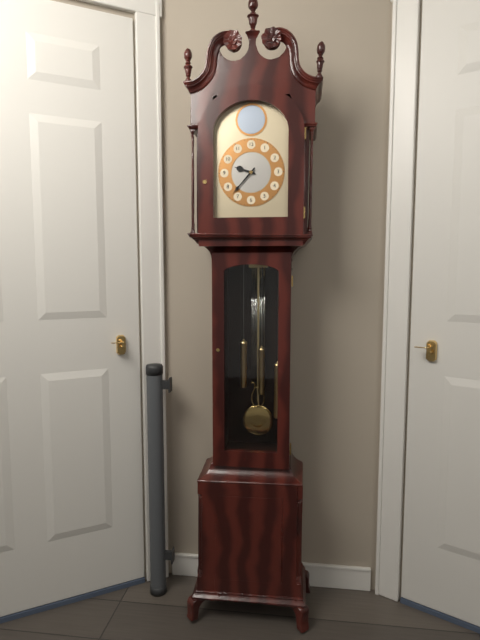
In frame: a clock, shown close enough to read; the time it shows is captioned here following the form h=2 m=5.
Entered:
h=9 m=37
